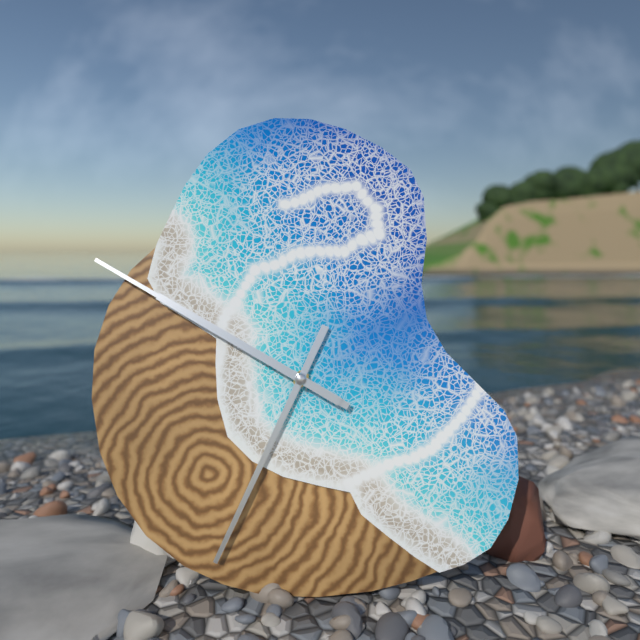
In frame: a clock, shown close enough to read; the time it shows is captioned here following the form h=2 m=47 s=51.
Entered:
h=6 m=50 s=50
